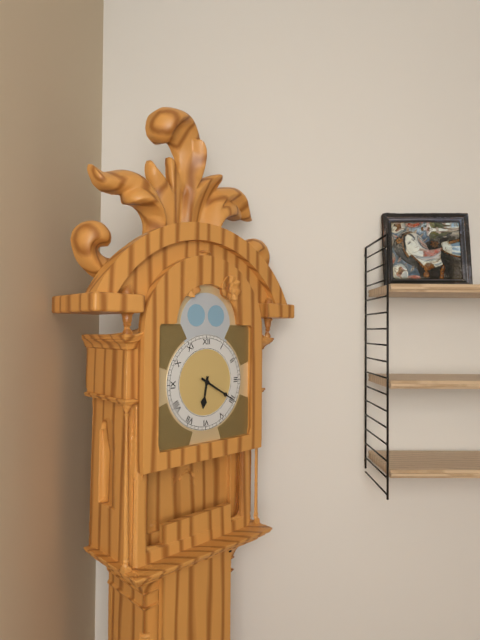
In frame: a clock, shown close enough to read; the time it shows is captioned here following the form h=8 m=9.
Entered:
h=6 m=20
